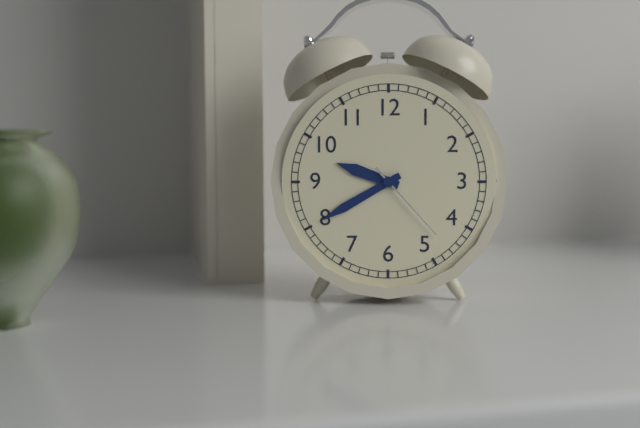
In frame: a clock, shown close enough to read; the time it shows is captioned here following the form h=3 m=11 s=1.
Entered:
h=9 m=40 s=23
